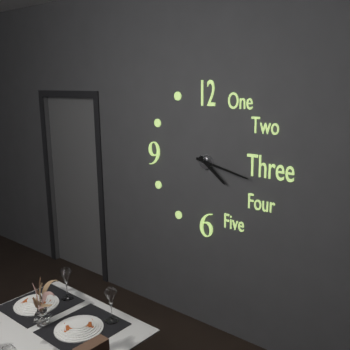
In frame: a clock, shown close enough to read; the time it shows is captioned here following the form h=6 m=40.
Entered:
h=4 m=17
